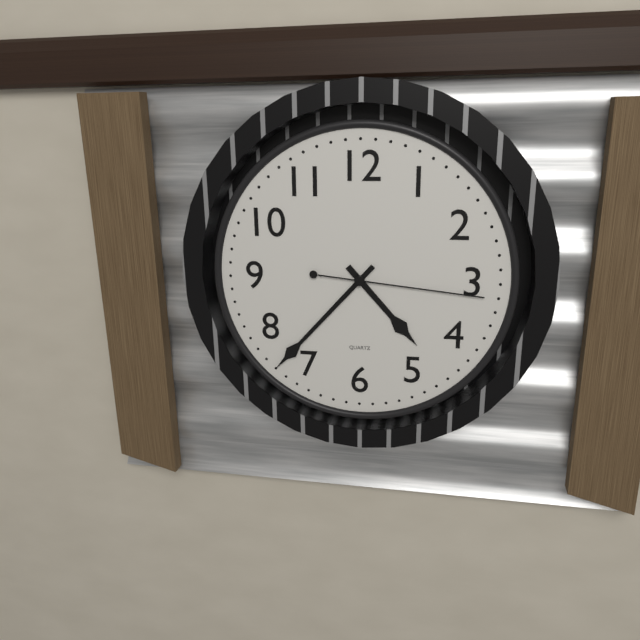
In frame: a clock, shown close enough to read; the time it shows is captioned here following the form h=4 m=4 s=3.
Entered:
h=4 m=37 s=16
